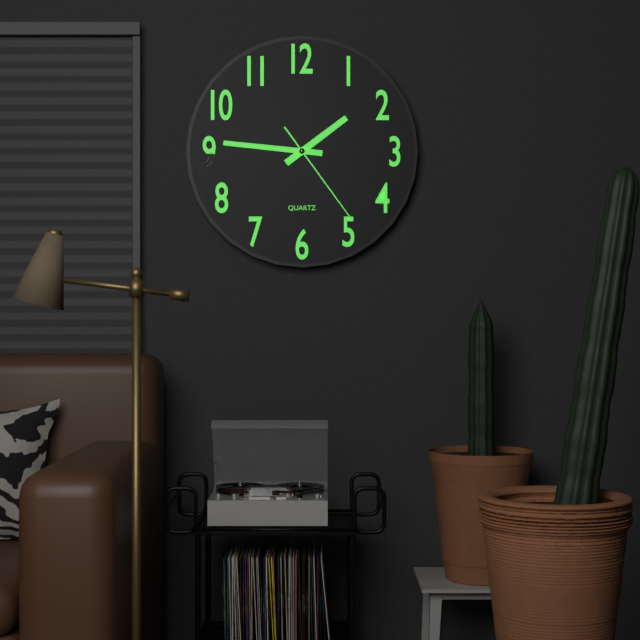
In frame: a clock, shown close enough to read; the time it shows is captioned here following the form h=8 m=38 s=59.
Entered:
h=1 m=46 s=24
